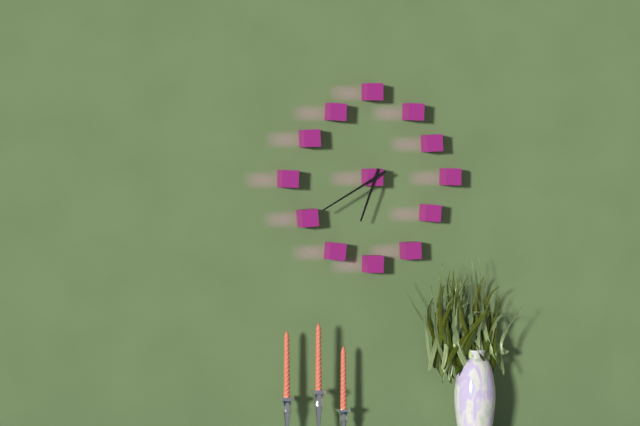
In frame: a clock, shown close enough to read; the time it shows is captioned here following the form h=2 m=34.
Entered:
h=6 m=40
